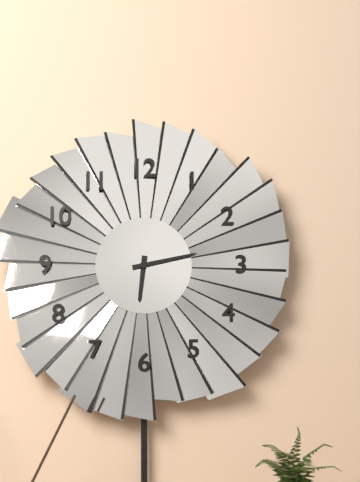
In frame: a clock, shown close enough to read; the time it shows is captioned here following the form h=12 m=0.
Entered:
h=6 m=13
